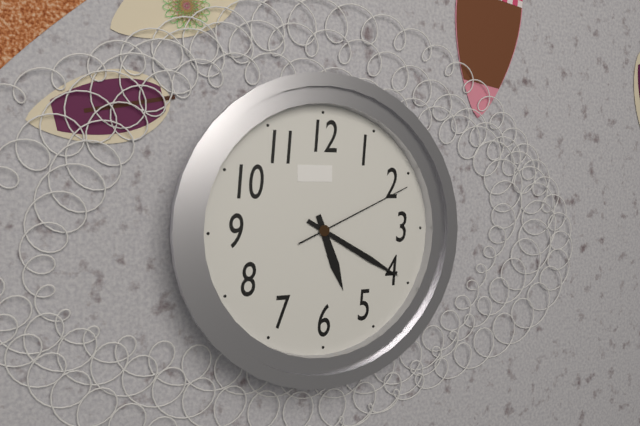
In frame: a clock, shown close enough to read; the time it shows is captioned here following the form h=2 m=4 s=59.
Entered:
h=5 m=20 s=11
